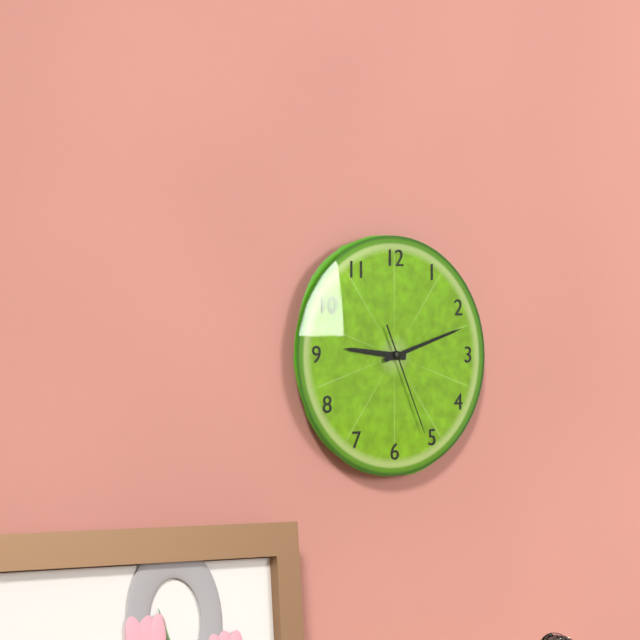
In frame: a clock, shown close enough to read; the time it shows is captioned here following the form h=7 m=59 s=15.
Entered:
h=9 m=12 s=26
